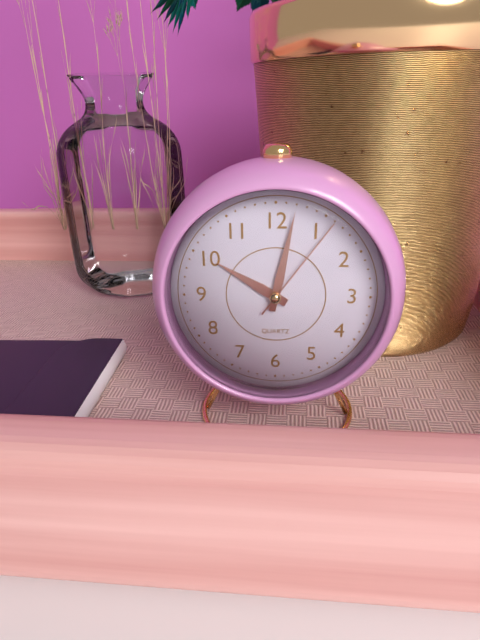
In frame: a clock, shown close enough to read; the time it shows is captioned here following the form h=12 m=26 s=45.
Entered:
h=10 m=2 s=6
